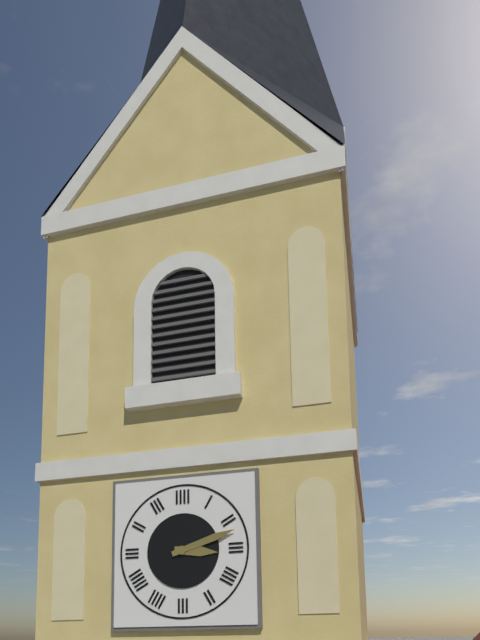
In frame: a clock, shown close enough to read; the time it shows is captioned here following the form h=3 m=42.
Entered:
h=3 m=12
